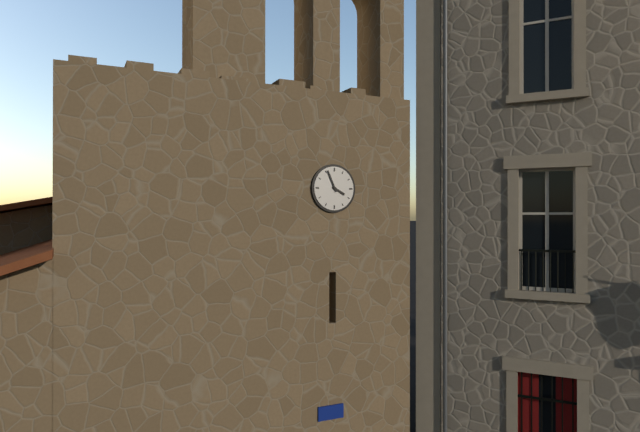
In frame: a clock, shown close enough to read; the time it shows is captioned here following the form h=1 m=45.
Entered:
h=3 m=56
